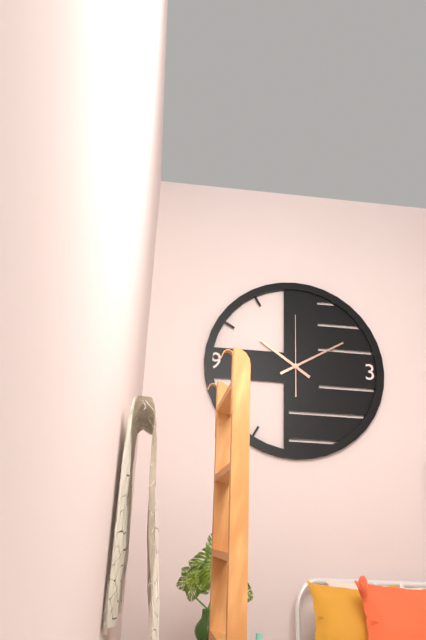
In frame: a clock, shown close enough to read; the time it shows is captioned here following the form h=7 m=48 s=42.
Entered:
h=10 m=10 s=0
